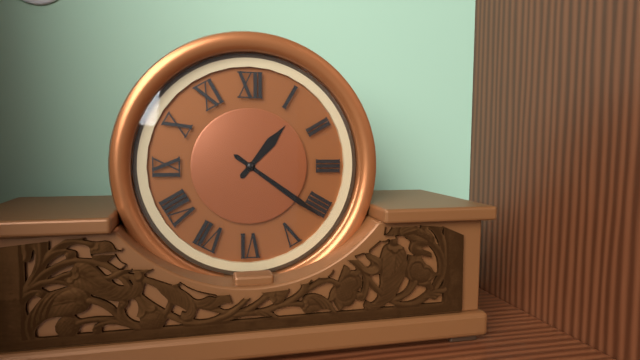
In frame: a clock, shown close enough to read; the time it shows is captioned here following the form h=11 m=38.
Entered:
h=1 m=21
